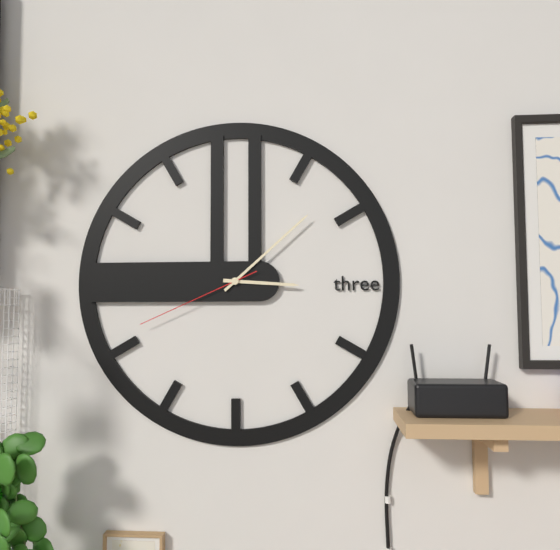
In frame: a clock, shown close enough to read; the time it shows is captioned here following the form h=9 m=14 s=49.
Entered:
h=3 m=8 s=41
